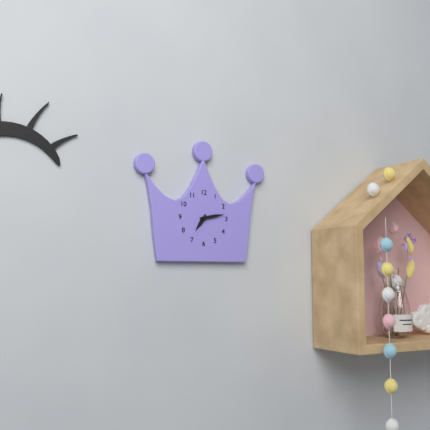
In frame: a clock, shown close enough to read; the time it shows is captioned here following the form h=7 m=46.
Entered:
h=7 m=13
